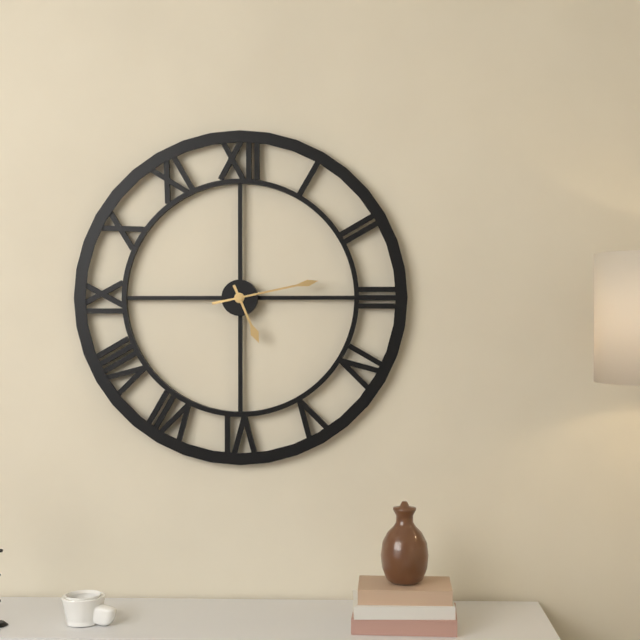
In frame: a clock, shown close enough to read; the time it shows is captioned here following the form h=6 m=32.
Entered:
h=5 m=13
